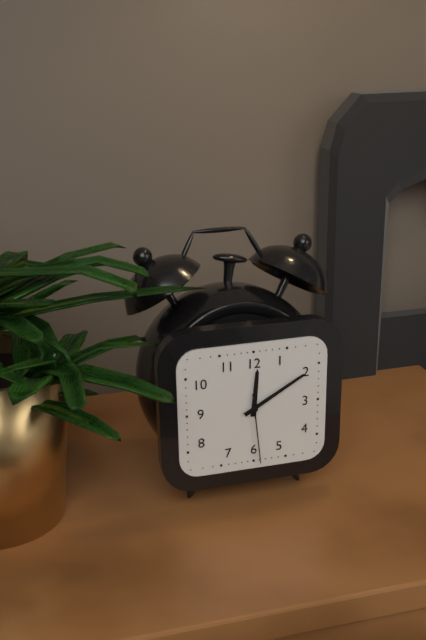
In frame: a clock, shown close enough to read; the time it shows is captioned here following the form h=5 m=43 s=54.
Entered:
h=12 m=10 s=29
